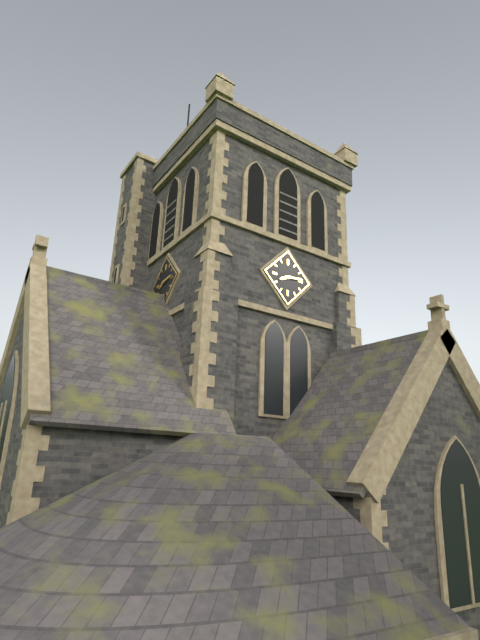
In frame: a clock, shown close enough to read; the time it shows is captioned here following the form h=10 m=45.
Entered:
h=8 m=14
